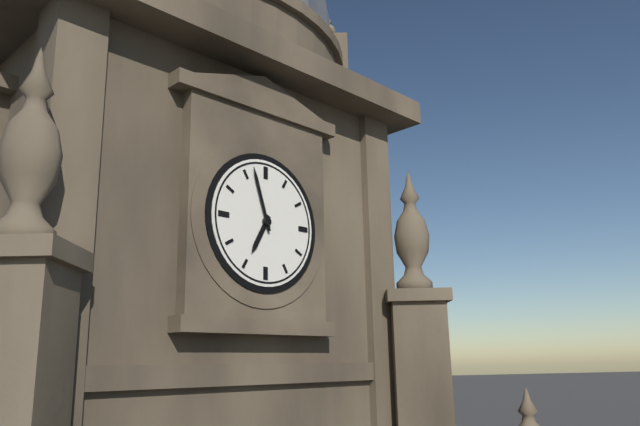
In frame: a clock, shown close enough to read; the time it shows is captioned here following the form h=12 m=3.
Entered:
h=6 m=57
